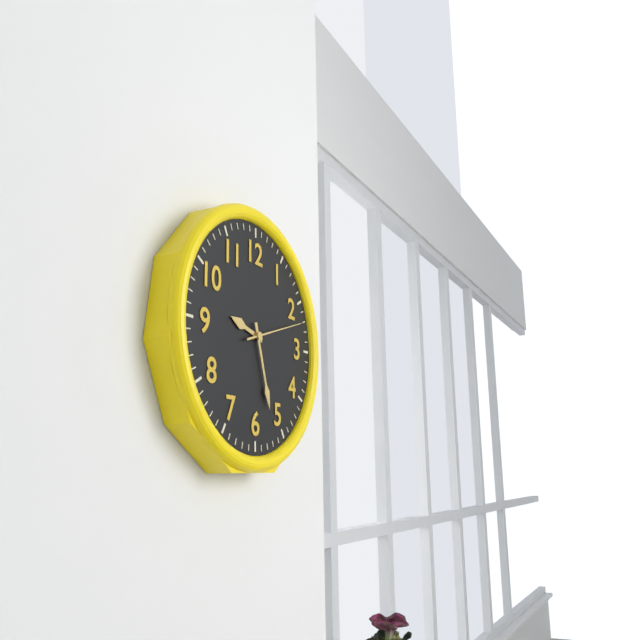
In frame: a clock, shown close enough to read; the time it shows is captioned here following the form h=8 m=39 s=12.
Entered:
h=9 m=27 s=12
